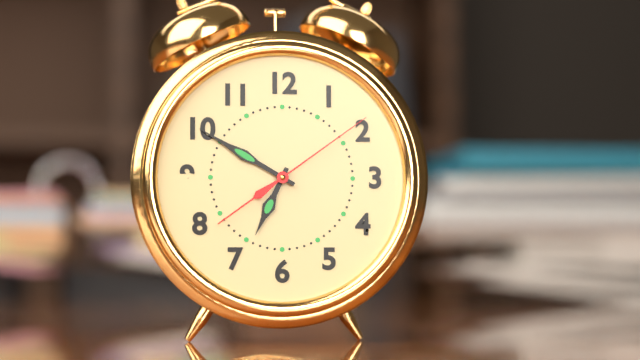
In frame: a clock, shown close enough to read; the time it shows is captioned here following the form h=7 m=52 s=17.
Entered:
h=6 m=50 s=9
